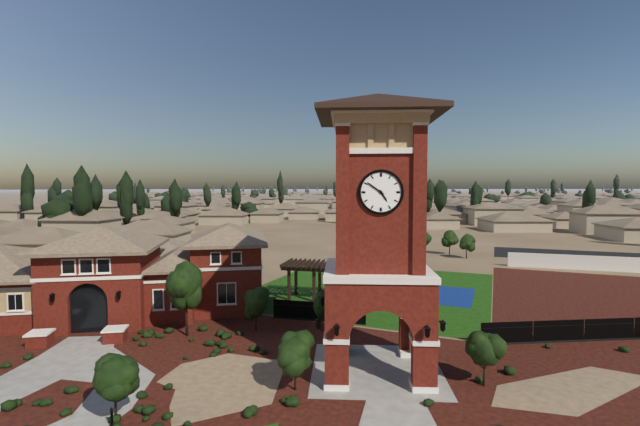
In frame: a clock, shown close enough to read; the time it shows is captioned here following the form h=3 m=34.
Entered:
h=4 m=51
